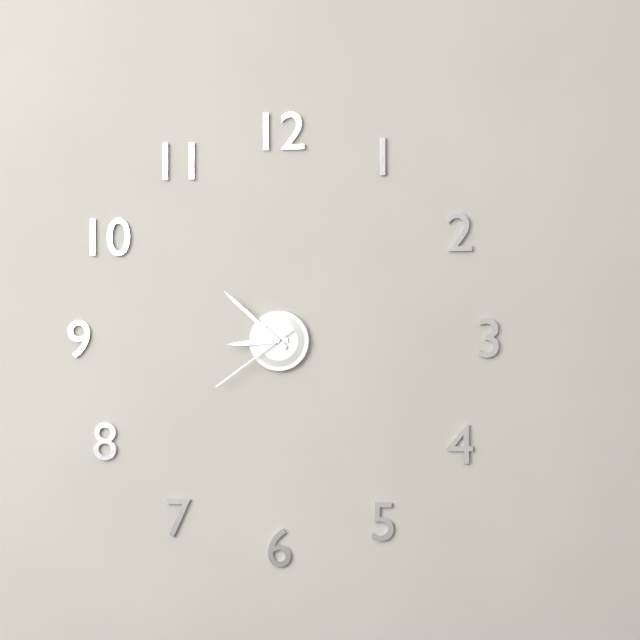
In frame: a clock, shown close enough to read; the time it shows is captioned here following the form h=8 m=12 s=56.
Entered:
h=8 m=52 s=39
